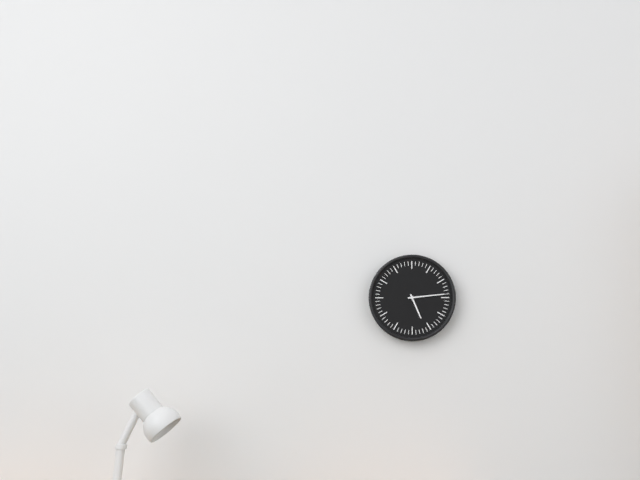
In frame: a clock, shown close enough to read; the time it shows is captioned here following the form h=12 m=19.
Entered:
h=5 m=14
